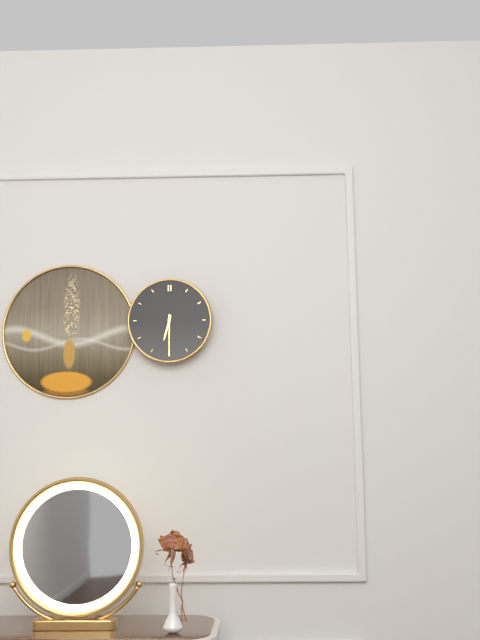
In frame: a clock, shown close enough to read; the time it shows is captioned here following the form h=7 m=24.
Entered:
h=6 m=30
